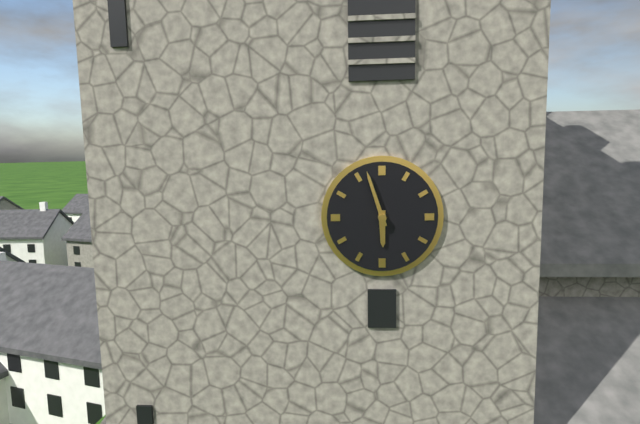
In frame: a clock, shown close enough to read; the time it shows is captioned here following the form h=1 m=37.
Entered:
h=5 m=57
